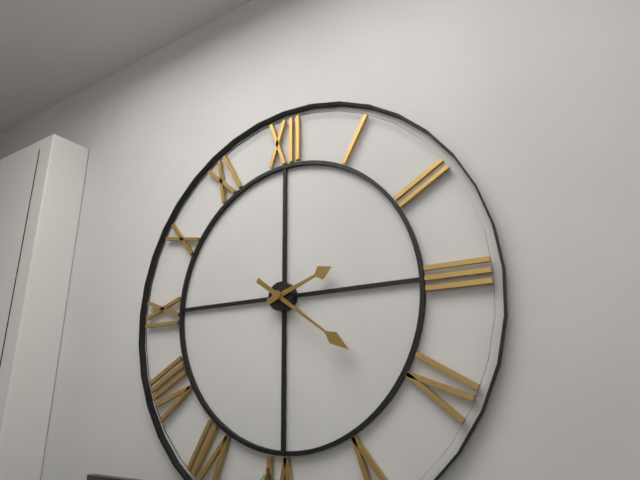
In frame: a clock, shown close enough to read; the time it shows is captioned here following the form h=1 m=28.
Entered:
h=2 m=21
